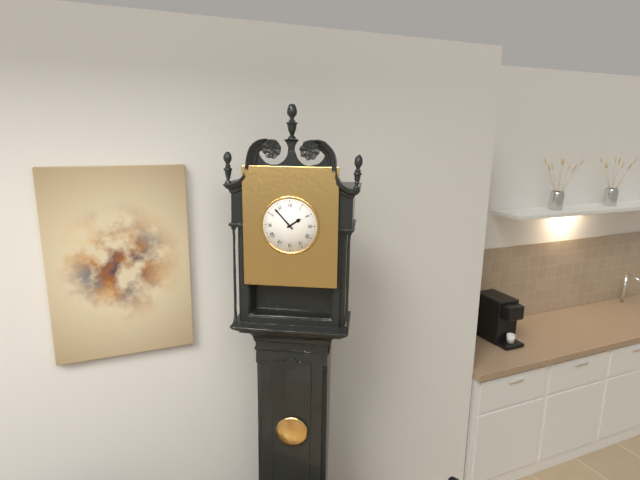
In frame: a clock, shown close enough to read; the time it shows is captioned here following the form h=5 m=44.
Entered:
h=1 m=53
